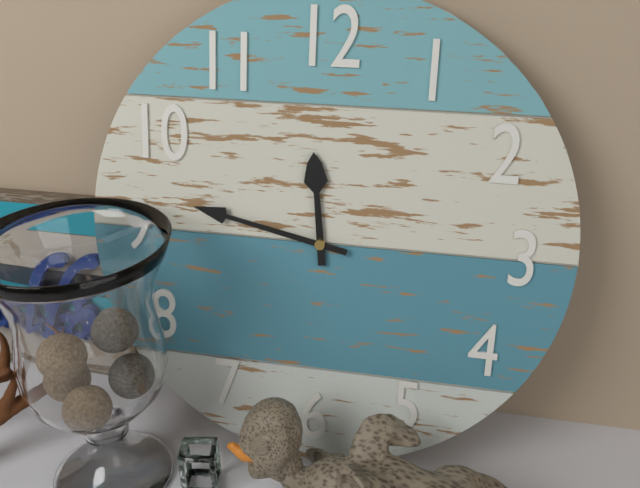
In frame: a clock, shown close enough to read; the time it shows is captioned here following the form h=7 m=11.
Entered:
h=11 m=47
